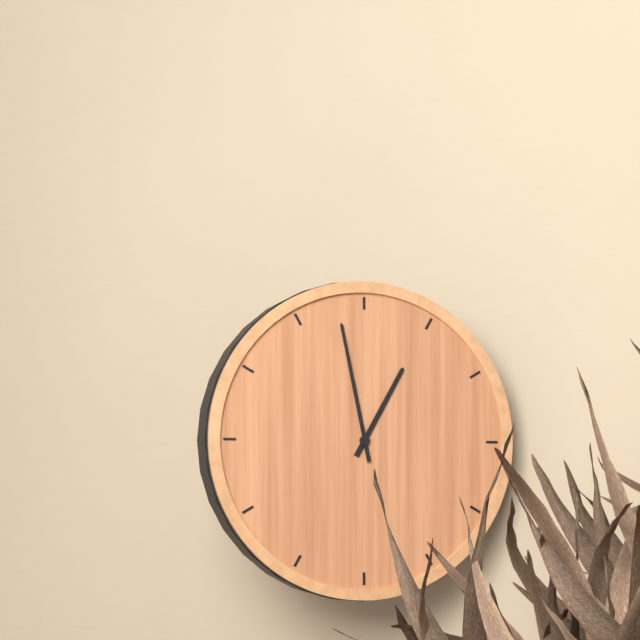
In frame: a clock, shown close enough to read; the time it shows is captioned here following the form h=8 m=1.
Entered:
h=12 m=58
